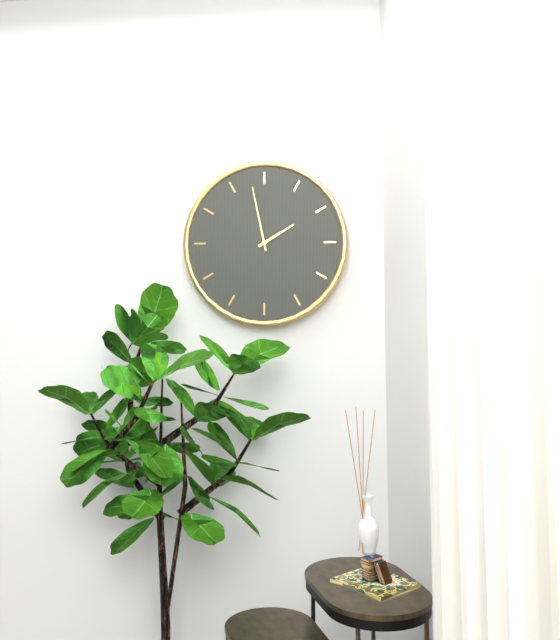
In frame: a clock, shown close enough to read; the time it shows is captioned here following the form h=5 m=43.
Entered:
h=1 m=58
